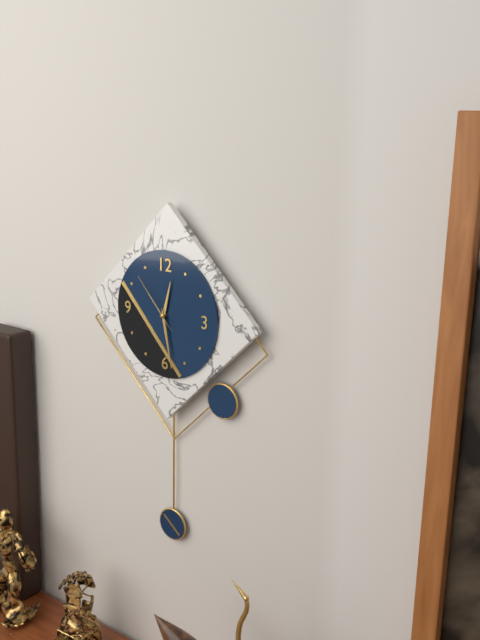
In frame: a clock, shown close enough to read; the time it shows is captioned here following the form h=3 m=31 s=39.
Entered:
h=12 m=28 s=53
